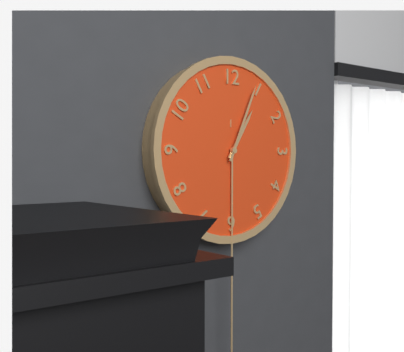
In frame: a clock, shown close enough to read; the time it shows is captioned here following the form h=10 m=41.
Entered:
h=1 m=4
